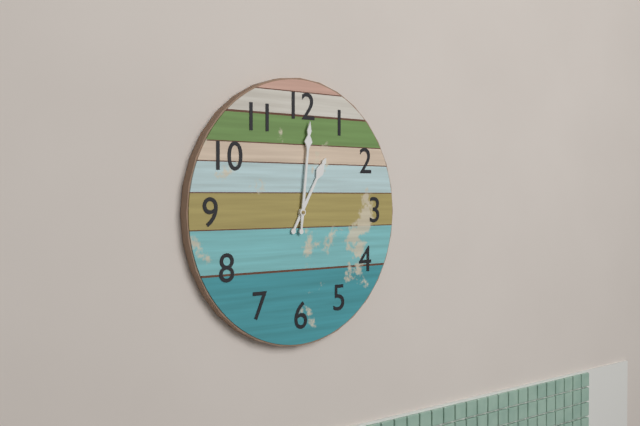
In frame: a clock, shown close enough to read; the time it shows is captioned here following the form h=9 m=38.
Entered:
h=1 m=1
